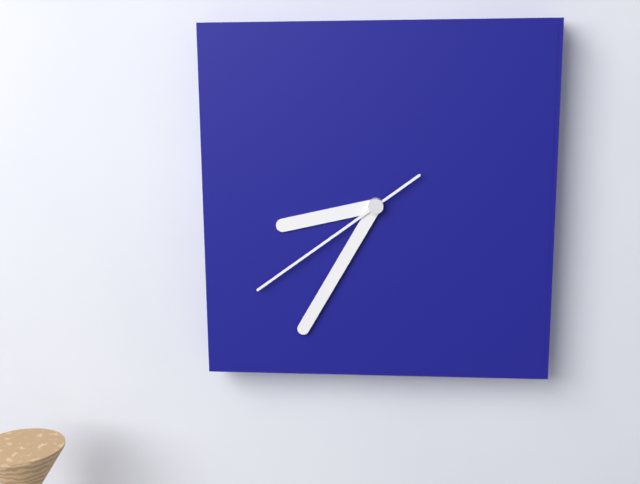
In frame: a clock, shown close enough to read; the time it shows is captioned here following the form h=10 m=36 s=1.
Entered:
h=8 m=35 s=39
